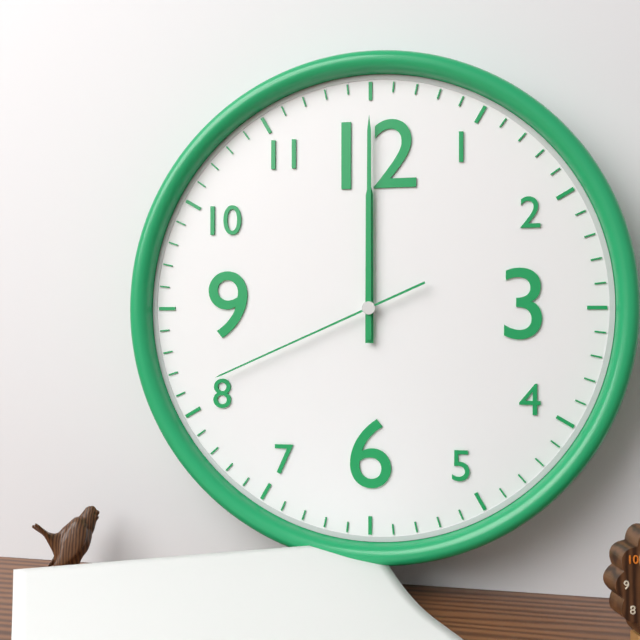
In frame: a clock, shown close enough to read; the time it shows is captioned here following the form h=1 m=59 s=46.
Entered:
h=12 m=0 s=41
